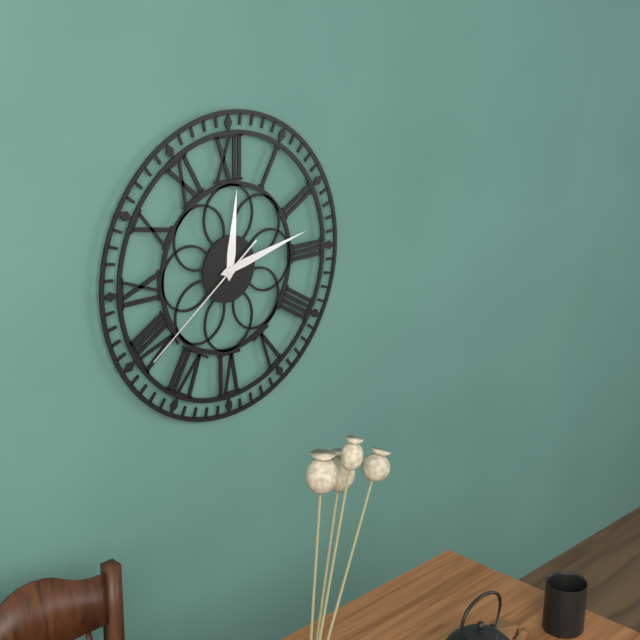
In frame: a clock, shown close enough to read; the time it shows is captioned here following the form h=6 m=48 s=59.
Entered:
h=12 m=13 s=39
